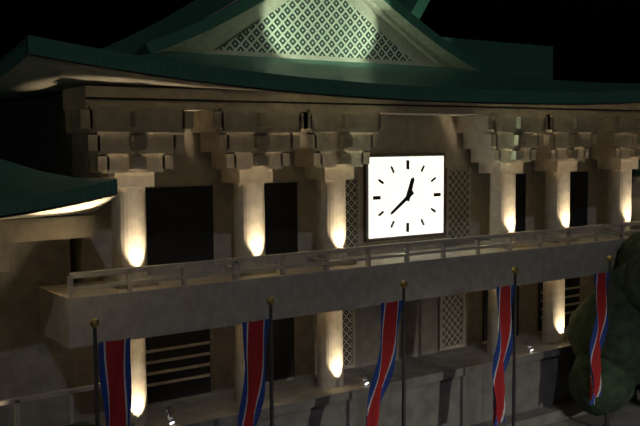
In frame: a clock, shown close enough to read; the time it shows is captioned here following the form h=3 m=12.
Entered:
h=12 m=39
